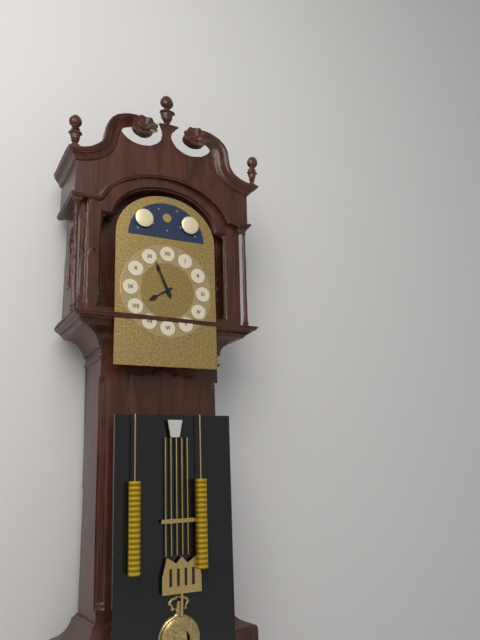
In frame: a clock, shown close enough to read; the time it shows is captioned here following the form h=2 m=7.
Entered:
h=7 m=56
